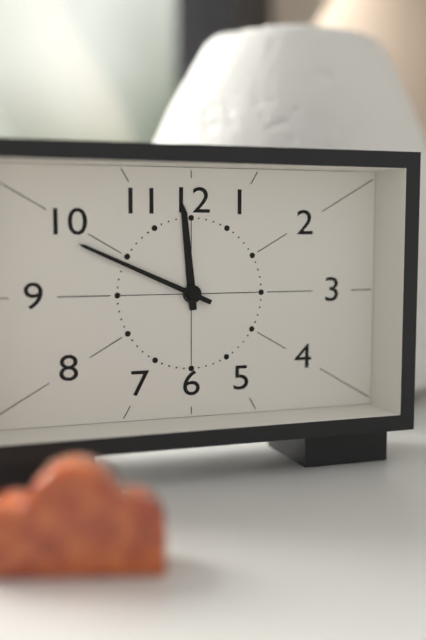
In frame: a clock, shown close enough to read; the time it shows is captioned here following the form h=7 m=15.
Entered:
h=11 m=49
